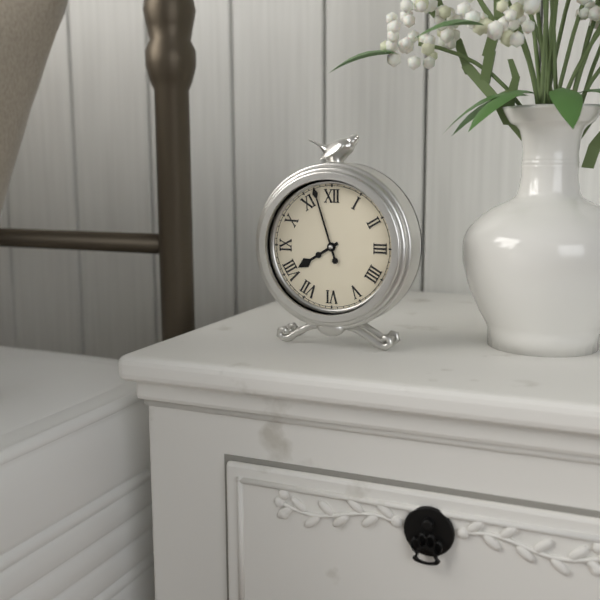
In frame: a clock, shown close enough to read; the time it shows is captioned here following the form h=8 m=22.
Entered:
h=7 m=57
